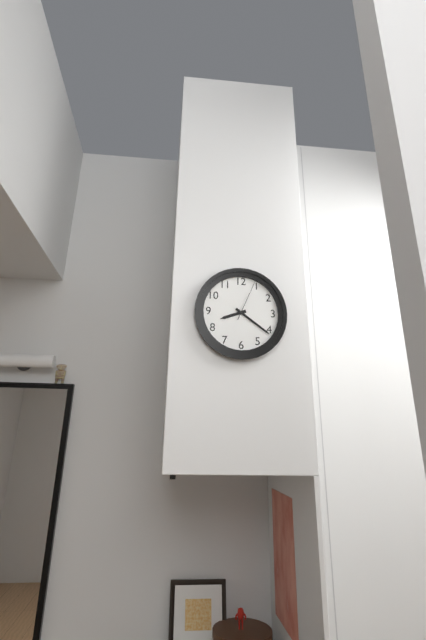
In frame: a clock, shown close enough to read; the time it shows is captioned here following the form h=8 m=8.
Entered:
h=8 m=21
